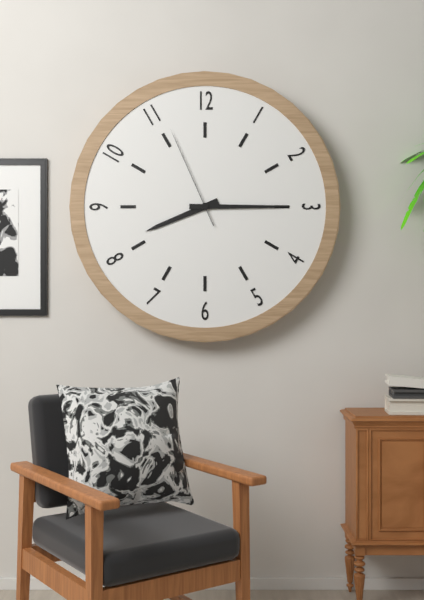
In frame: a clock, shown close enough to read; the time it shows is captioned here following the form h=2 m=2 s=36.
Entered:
h=8 m=15 s=56
